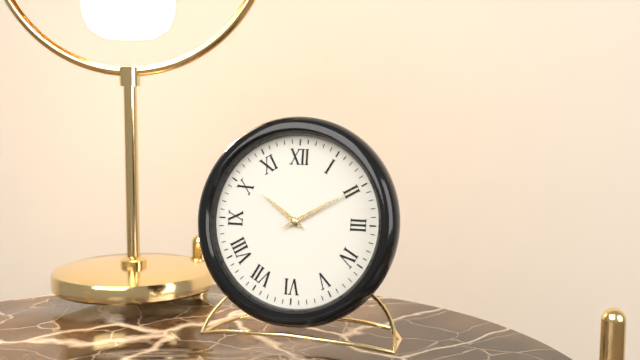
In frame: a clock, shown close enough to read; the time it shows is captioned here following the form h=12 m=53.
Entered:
h=10 m=10
